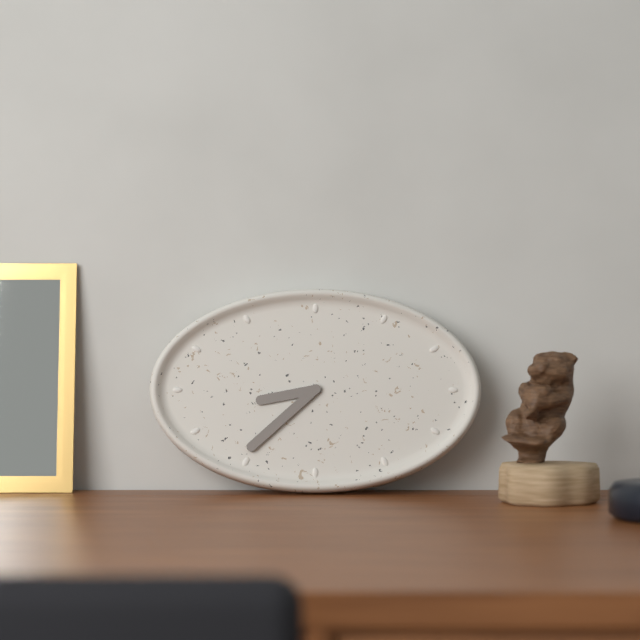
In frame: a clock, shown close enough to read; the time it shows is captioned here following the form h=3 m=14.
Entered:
h=8 m=38
